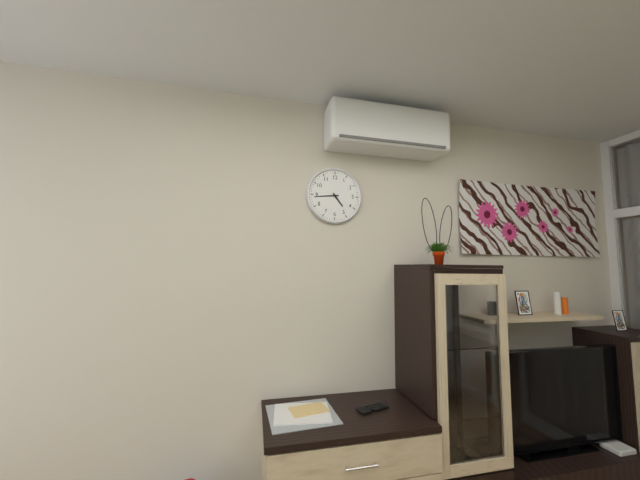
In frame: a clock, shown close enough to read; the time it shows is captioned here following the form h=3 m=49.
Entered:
h=4 m=44
